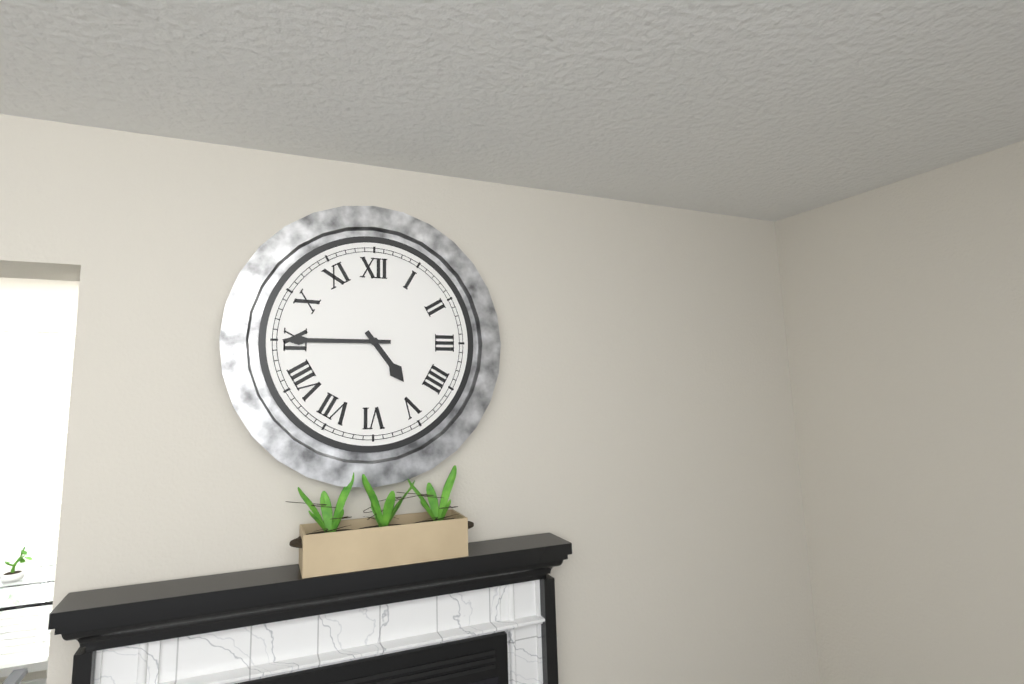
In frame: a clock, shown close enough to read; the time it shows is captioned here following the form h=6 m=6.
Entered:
h=4 m=45
